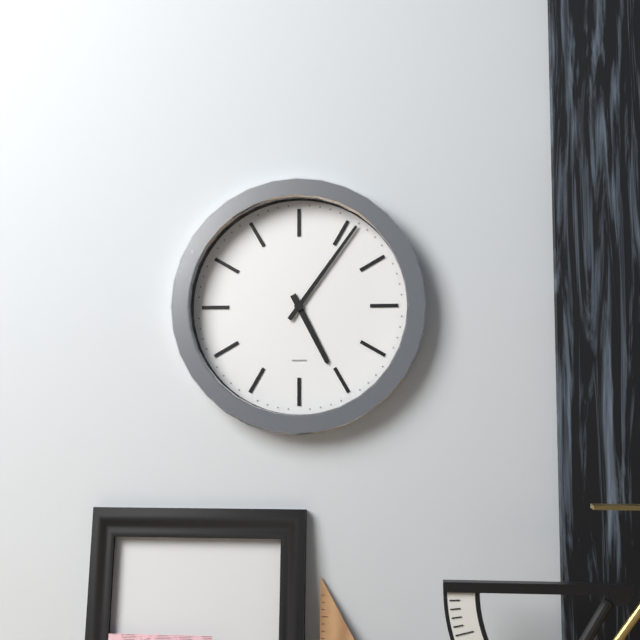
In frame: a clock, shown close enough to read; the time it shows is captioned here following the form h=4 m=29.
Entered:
h=5 m=6
